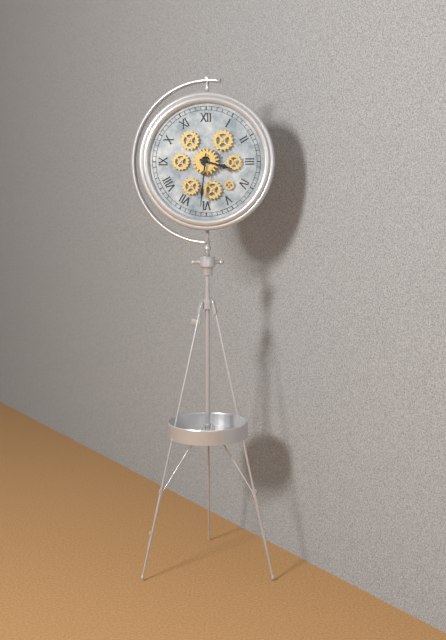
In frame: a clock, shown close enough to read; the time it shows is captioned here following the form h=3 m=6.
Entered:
h=3 m=31
